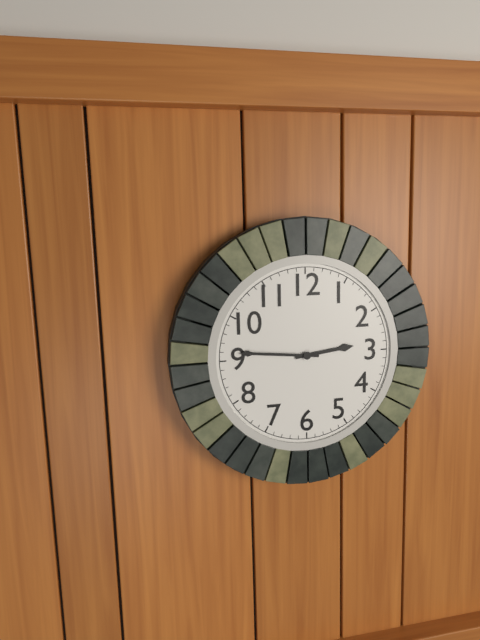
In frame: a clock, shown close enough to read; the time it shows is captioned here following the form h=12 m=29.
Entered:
h=2 m=46
